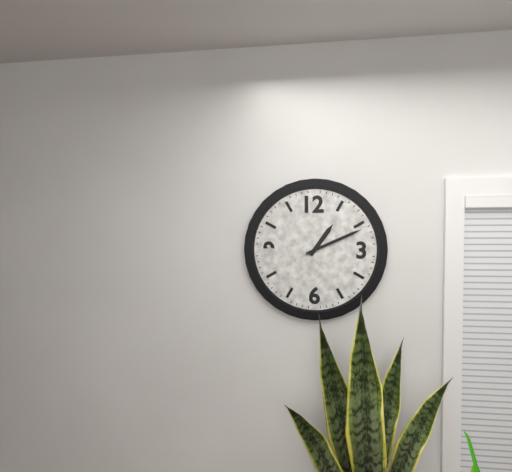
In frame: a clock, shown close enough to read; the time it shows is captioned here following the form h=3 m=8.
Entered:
h=1 m=11
